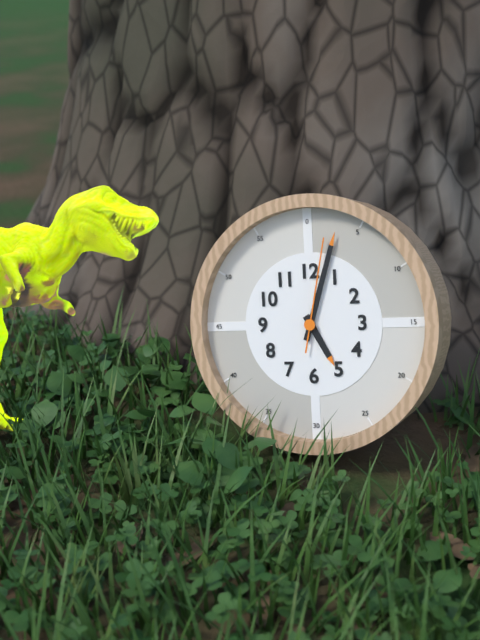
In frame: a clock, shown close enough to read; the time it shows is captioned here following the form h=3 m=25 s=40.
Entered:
h=5 m=3 s=2
